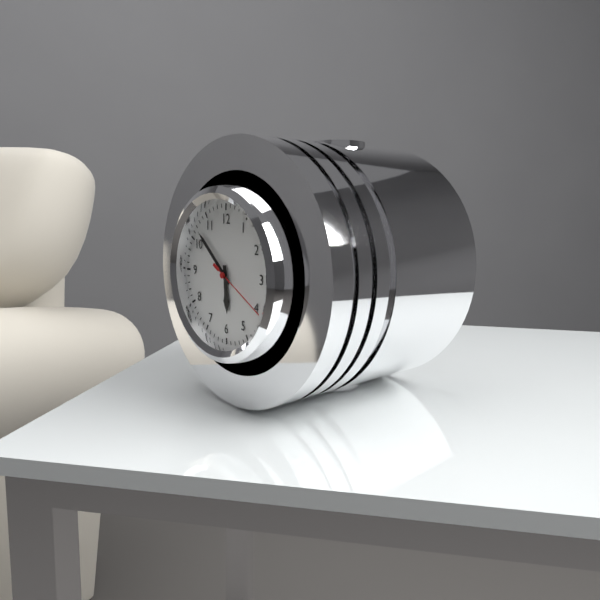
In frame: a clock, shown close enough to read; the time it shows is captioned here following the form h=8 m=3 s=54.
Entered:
h=5 m=52 s=20
